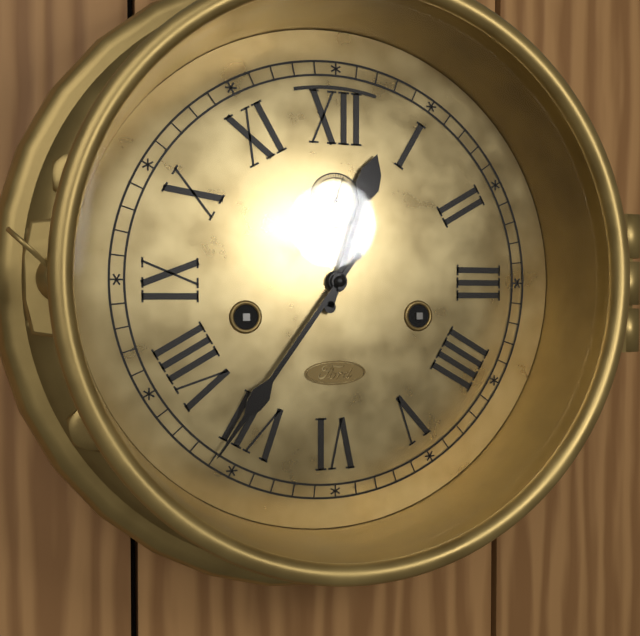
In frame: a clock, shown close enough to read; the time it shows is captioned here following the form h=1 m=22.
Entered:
h=12 m=36
